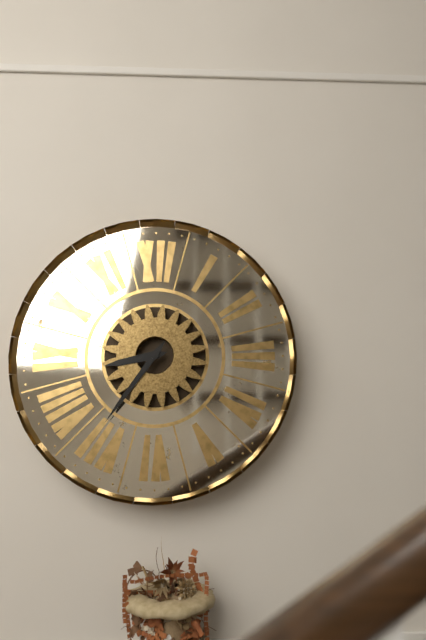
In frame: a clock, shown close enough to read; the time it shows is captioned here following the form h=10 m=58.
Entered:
h=8 m=36
